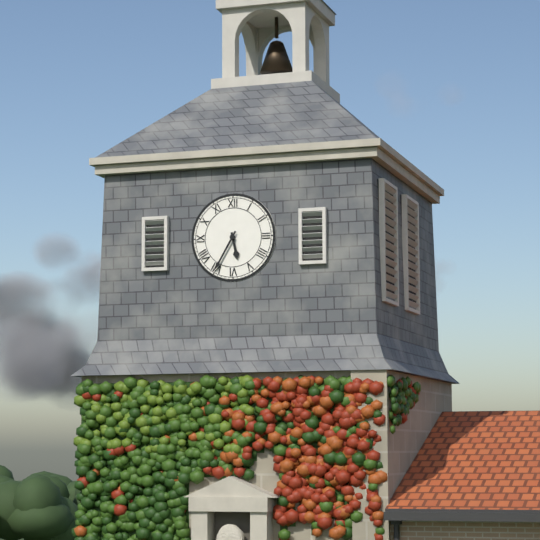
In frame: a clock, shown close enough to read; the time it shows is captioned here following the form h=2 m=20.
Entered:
h=5 m=35
